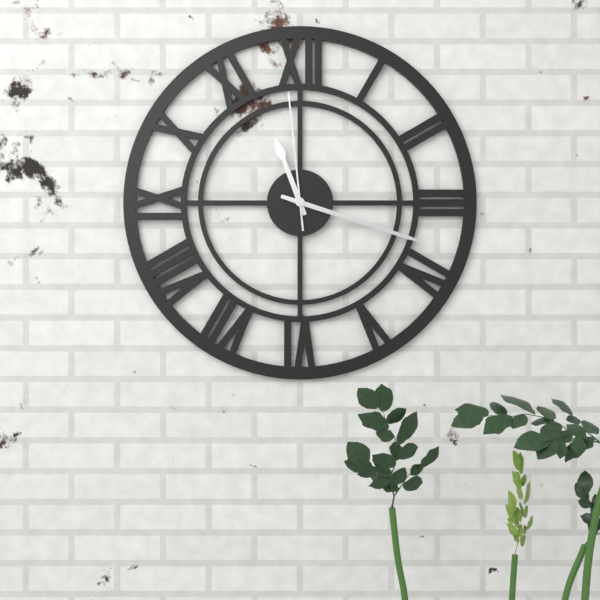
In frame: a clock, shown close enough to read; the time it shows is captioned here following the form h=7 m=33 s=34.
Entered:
h=11 m=18 s=59
